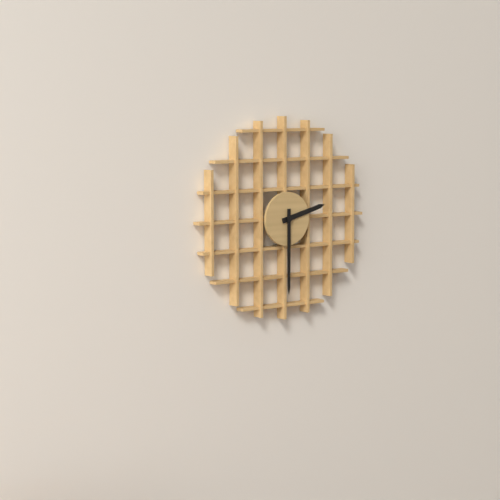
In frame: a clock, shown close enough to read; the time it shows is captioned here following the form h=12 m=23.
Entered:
h=2 m=30
